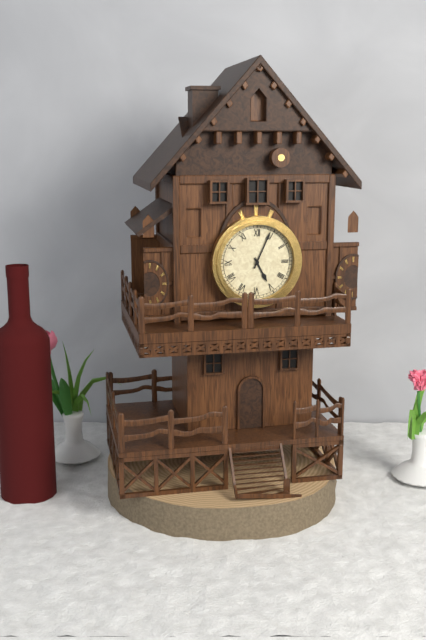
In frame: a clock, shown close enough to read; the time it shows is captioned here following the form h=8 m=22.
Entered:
h=5 m=4
